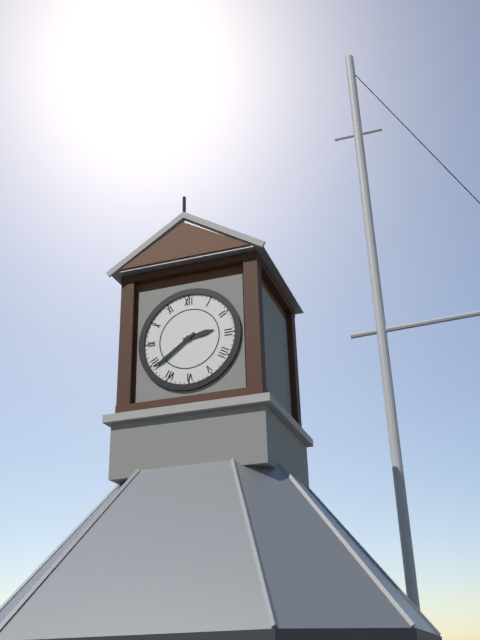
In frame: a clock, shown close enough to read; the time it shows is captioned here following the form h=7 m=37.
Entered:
h=2 m=39
